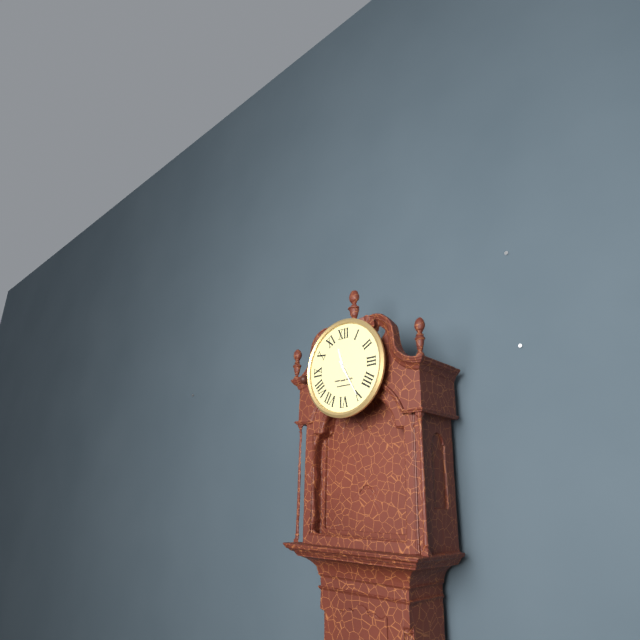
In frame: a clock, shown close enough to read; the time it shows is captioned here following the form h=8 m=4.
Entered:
h=11 m=25
